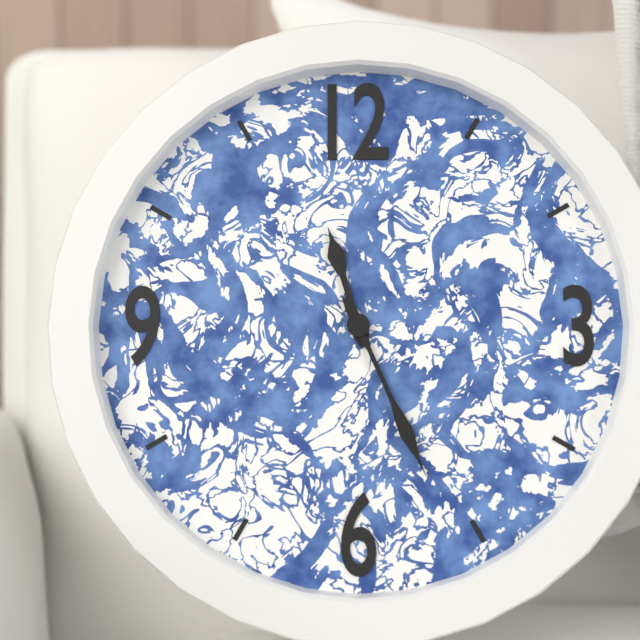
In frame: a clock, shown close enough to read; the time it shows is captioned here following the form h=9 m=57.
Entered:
h=11 m=26
